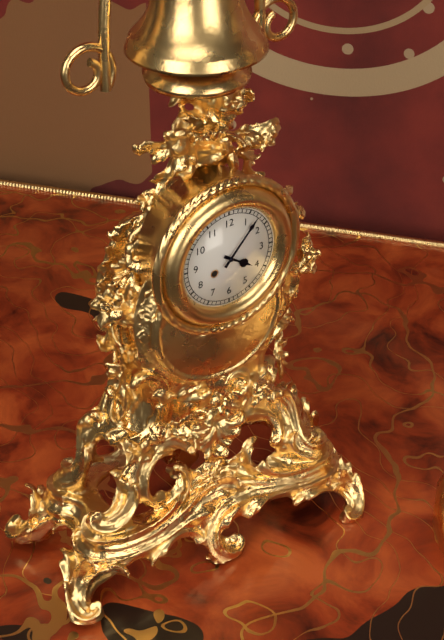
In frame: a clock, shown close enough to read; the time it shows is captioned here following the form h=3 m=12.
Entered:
h=4 m=7
